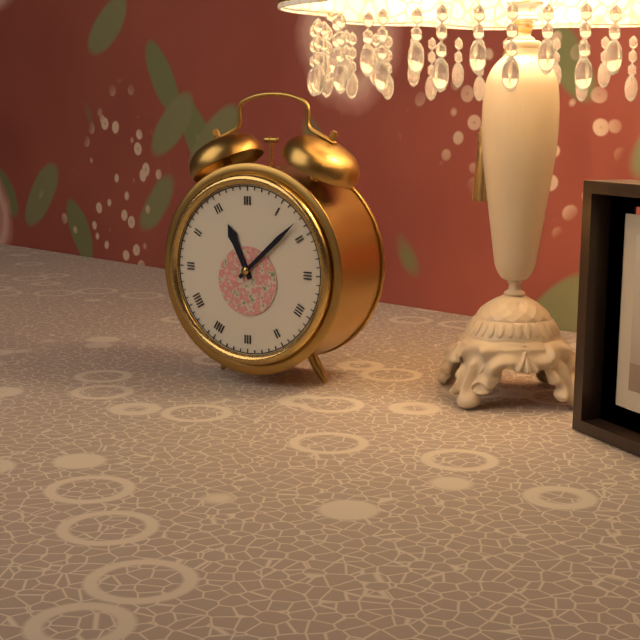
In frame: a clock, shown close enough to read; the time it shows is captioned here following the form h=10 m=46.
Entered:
h=11 m=8
